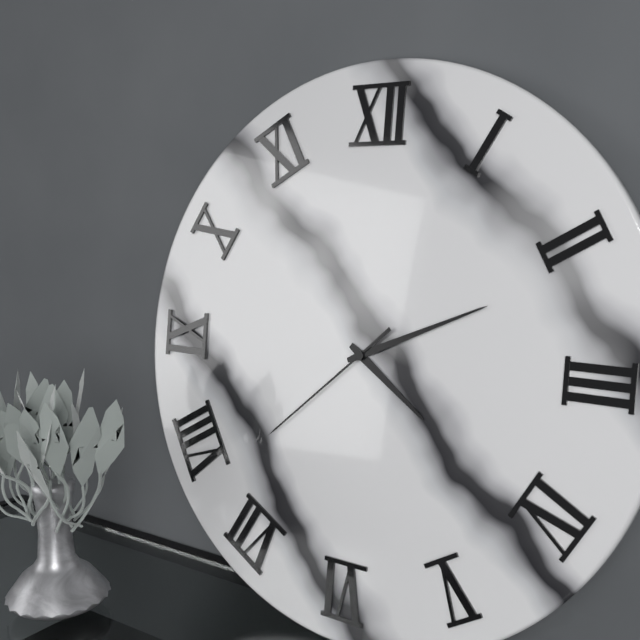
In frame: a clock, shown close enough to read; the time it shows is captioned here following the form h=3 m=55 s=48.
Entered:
h=4 m=11 s=38
